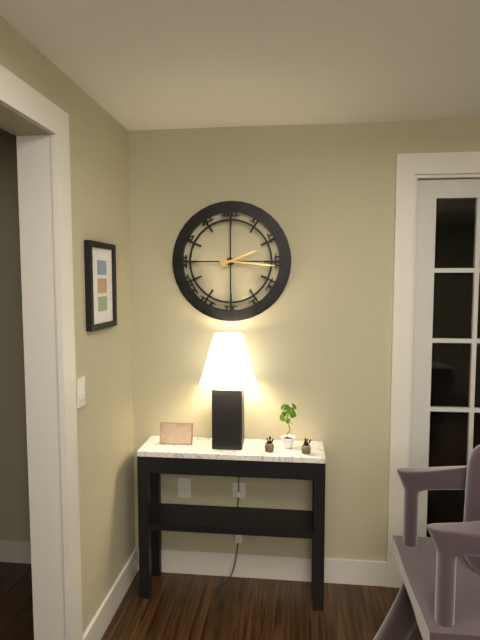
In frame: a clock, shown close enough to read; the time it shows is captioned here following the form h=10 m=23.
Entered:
h=2 m=16
